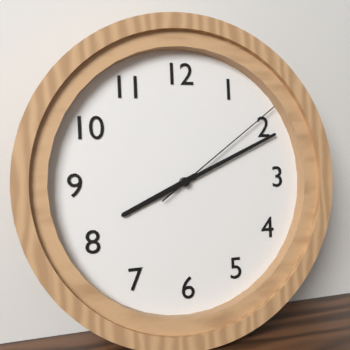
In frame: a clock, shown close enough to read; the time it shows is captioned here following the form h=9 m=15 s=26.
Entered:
h=8 m=11 s=9
